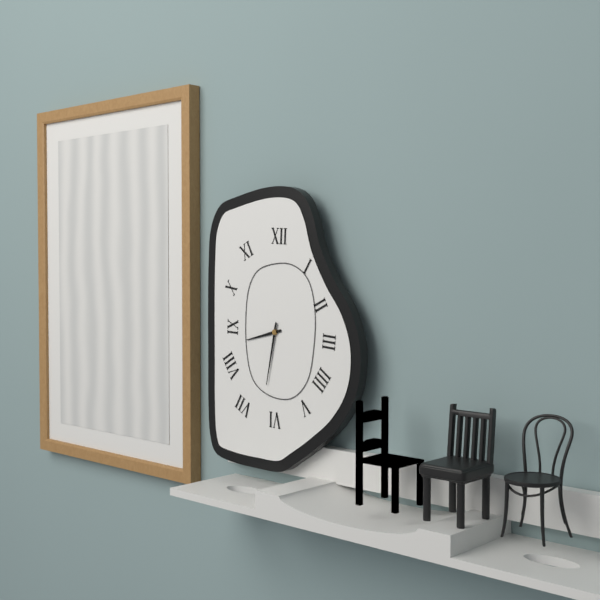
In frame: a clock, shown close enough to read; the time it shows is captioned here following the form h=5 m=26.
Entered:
h=8 m=32
